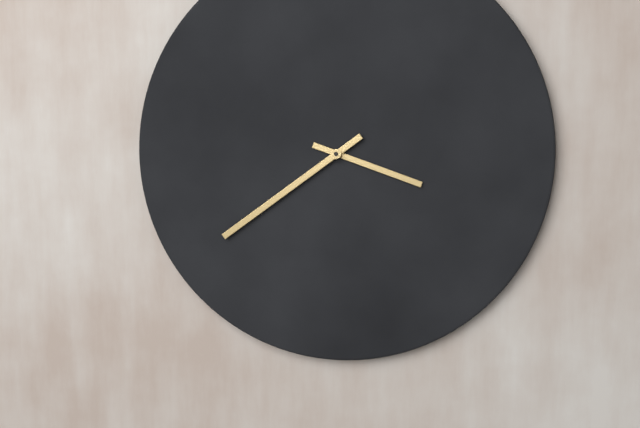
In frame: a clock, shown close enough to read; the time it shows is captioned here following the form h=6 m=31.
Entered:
h=3 m=39
